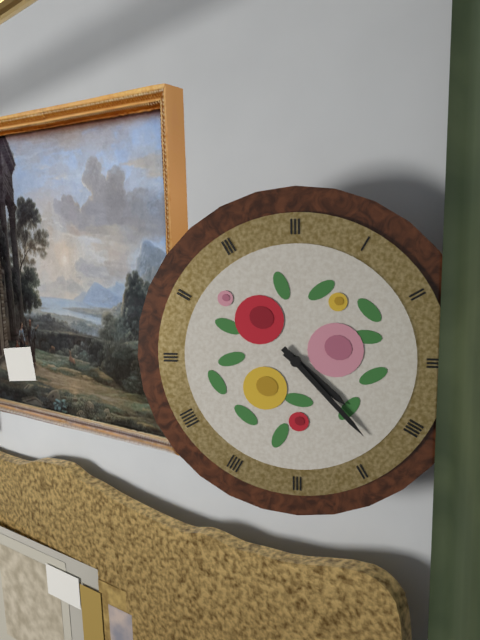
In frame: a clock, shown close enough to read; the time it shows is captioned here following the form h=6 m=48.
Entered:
h=4 m=23
